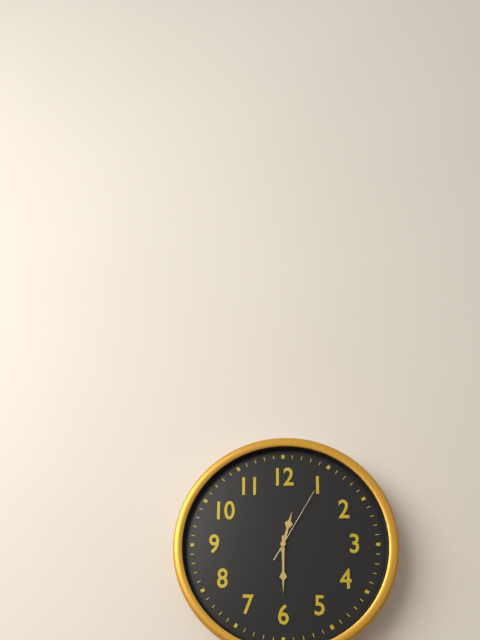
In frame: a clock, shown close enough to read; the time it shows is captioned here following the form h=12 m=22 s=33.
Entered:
h=12 m=30 s=5
